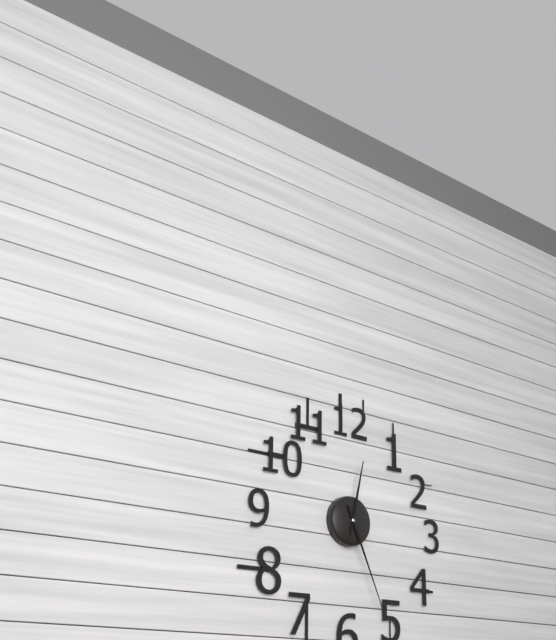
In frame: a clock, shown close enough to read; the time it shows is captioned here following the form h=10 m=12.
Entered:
h=12 m=26
